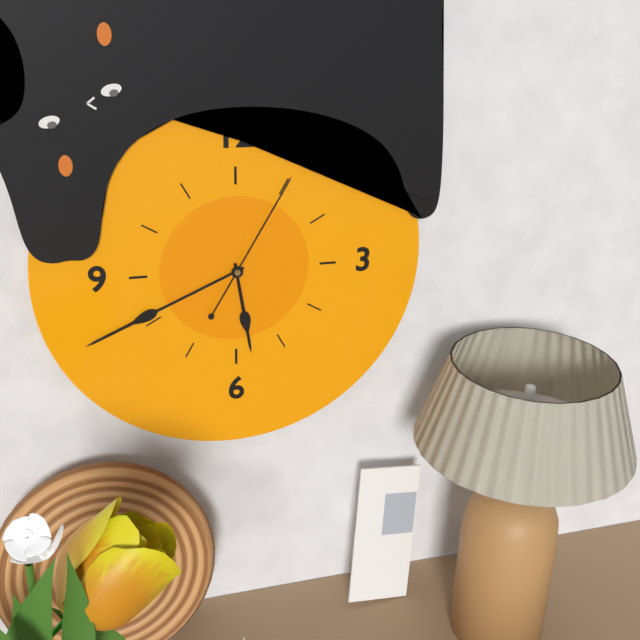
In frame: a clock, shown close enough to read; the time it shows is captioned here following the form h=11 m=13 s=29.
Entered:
h=5 m=41 s=5
